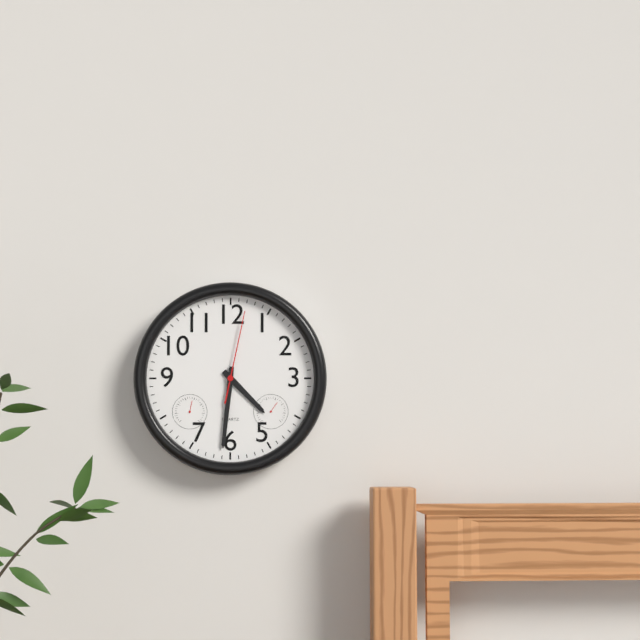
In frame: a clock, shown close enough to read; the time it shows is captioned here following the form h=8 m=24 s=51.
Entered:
h=4 m=31 s=2
